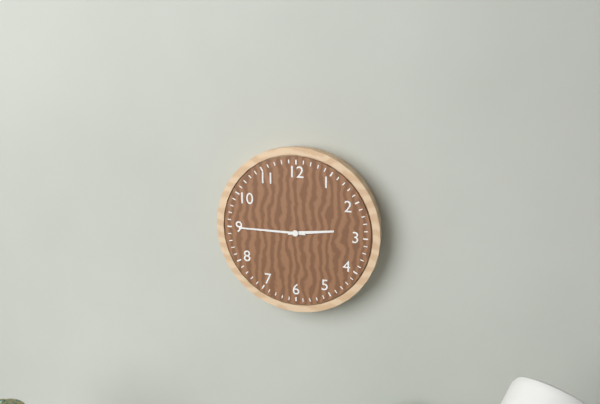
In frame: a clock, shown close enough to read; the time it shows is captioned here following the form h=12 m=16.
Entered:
h=2 m=45
